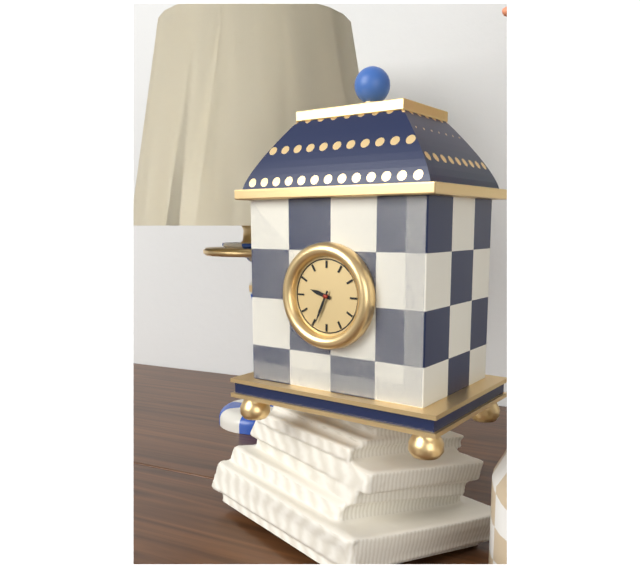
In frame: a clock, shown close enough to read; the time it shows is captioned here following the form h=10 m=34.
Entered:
h=9 m=34
